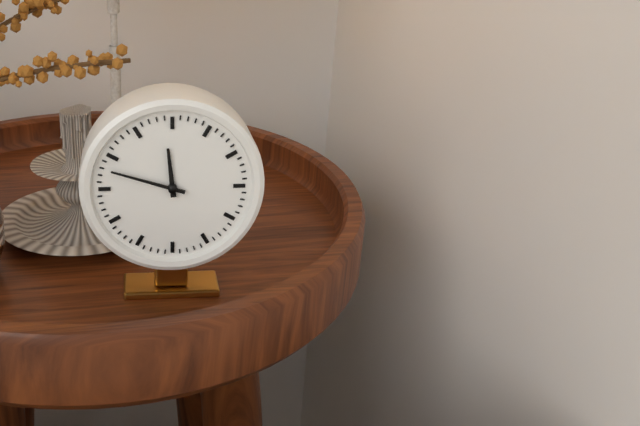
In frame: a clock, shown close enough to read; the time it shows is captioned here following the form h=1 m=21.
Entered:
h=11 m=48
